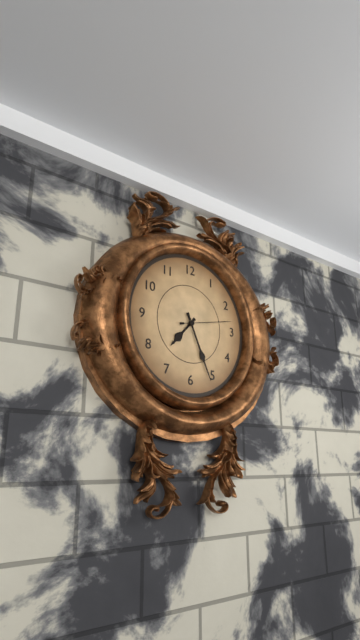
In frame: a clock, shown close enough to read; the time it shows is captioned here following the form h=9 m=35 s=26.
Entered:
h=7 m=26 s=13
